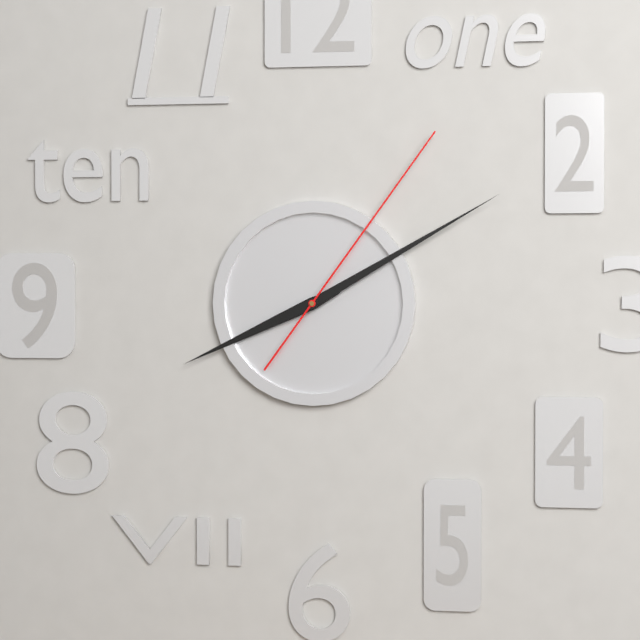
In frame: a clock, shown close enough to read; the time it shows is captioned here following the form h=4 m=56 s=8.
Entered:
h=8 m=10 s=6
